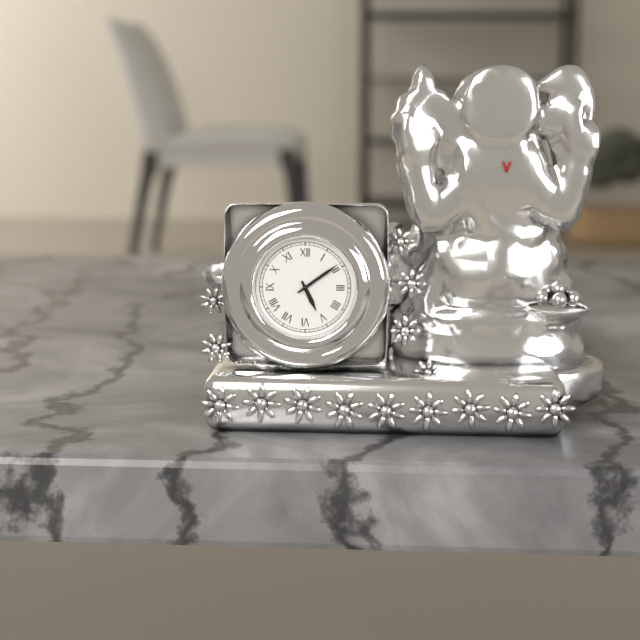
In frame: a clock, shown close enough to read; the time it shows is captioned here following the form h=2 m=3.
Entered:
h=5 m=9
